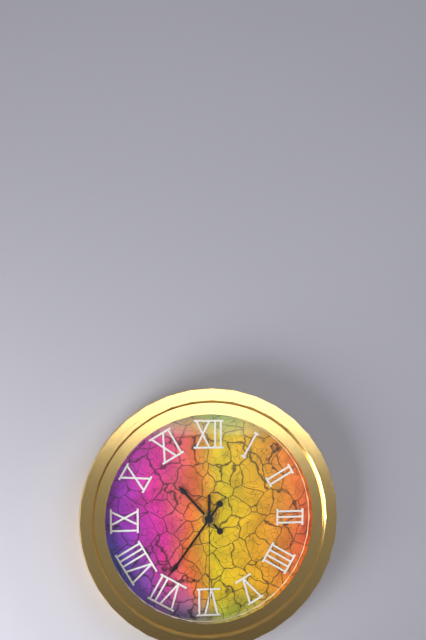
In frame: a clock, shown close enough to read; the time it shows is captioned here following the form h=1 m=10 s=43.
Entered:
h=10 m=36 s=30
